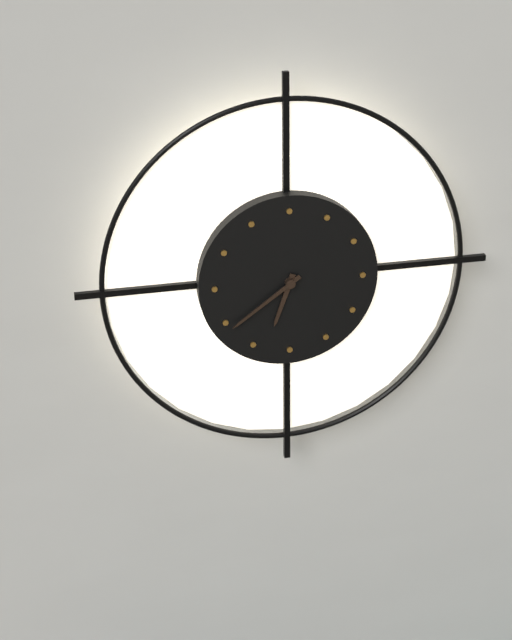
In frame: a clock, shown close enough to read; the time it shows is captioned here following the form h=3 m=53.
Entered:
h=6 m=39
